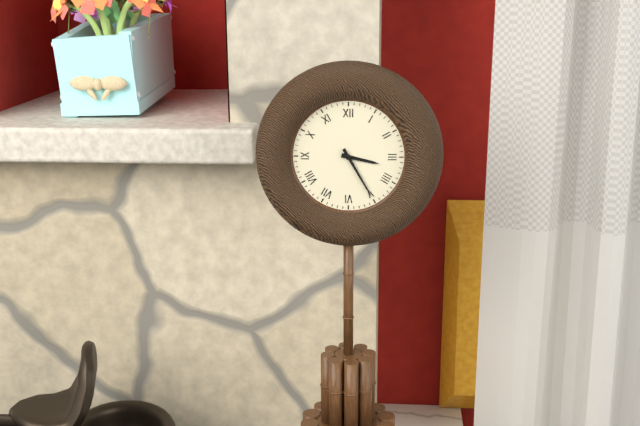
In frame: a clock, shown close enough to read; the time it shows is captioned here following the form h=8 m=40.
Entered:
h=3 m=25
